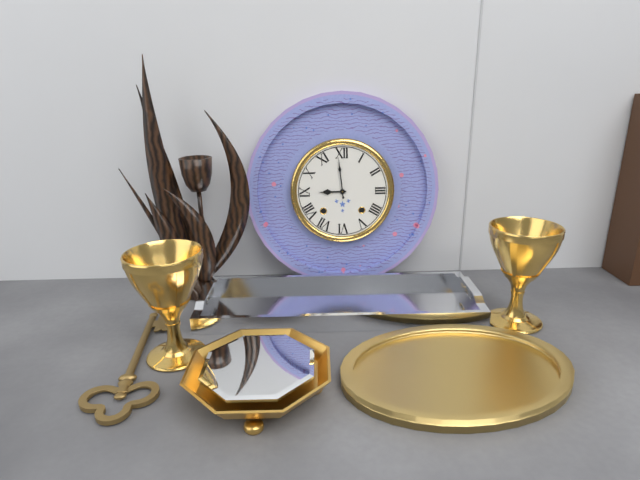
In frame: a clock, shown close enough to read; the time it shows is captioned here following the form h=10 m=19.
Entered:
h=8 m=59
